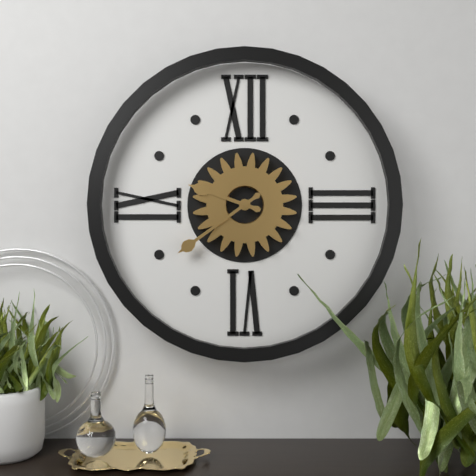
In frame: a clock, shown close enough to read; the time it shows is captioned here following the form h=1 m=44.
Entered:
h=9 m=39
